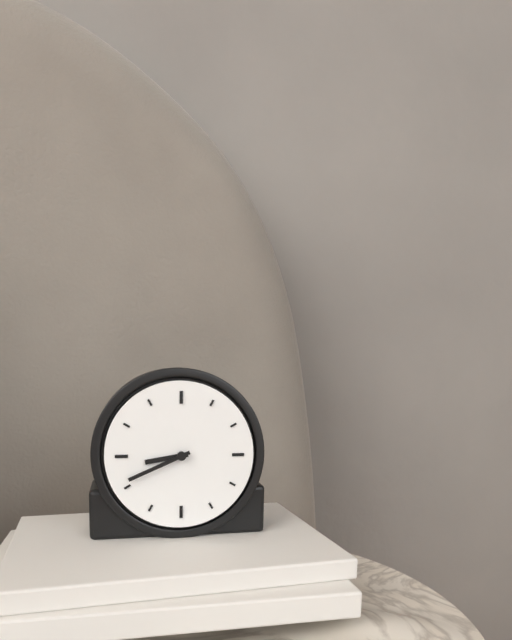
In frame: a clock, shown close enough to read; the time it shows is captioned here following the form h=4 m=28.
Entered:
h=8 m=41
